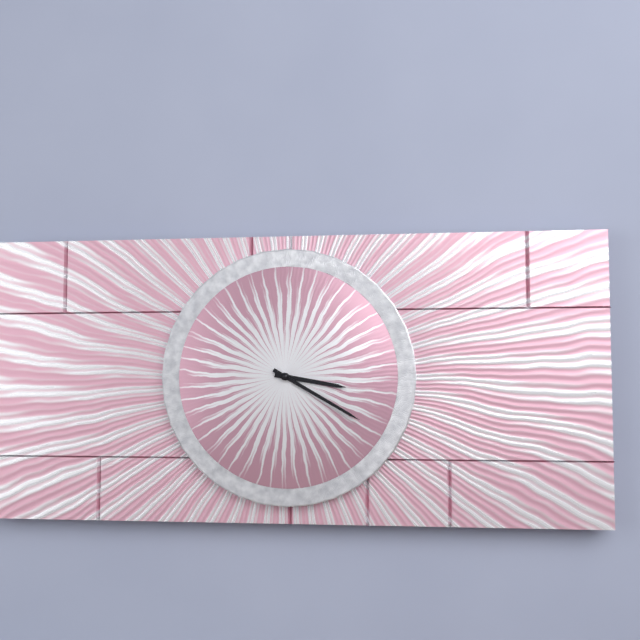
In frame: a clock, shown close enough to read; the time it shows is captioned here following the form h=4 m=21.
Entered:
h=3 m=20
